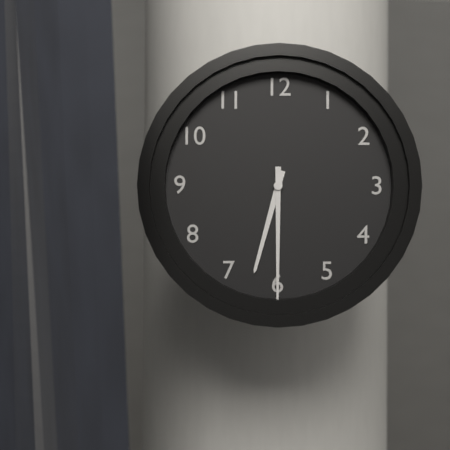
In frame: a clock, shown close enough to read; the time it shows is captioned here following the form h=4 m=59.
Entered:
h=6 m=30
